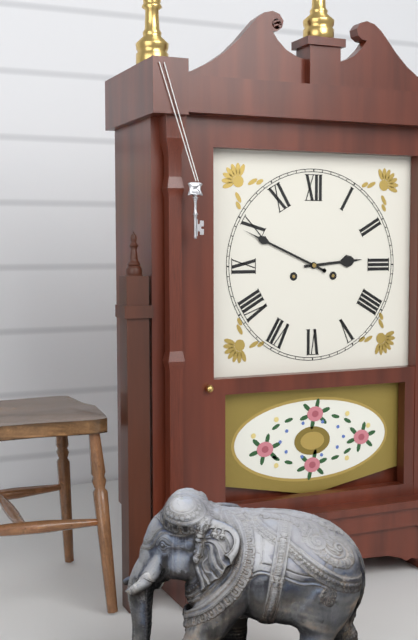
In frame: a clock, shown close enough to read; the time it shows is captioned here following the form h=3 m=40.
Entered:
h=2 m=49
